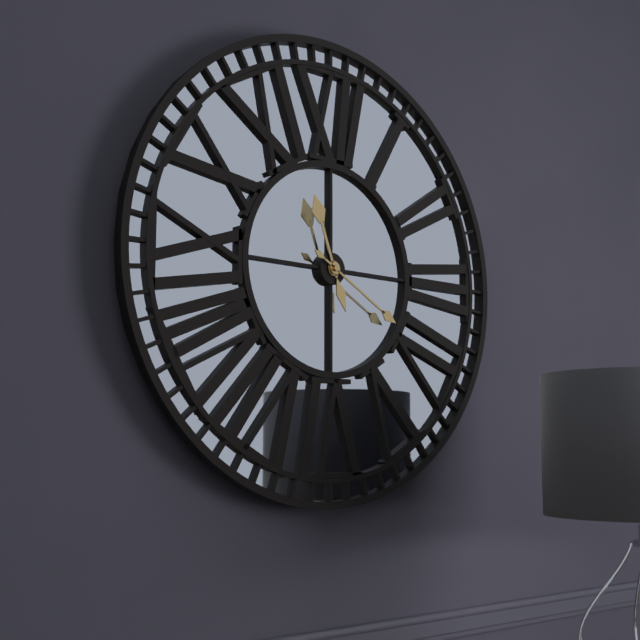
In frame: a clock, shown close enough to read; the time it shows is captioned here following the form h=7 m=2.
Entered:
h=11 m=20
